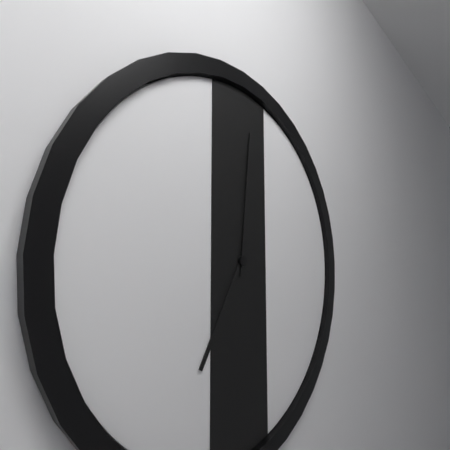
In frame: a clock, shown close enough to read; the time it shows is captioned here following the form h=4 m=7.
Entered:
h=7 m=1
